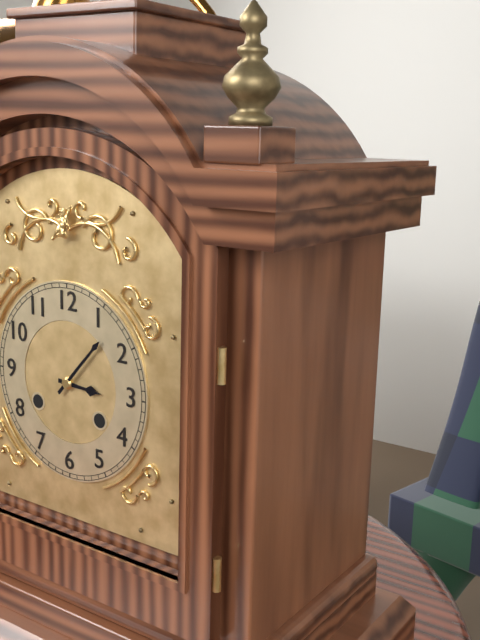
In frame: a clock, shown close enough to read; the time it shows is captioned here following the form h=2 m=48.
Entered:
h=3 m=7
